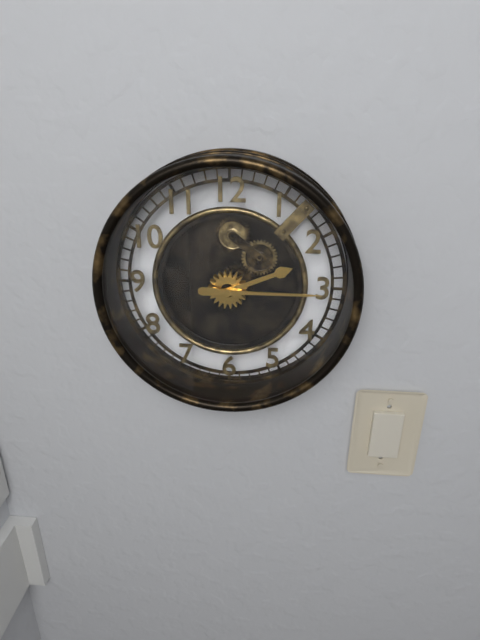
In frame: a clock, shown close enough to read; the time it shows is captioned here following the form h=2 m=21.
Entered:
h=2 m=15
